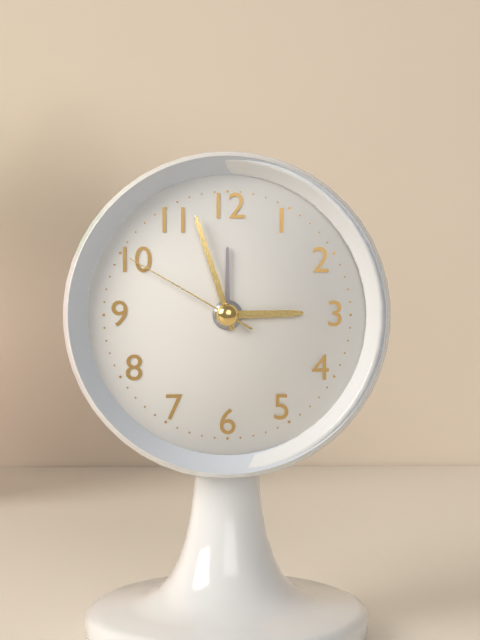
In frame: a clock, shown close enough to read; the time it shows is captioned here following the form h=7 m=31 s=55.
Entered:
h=2 m=57 s=50
